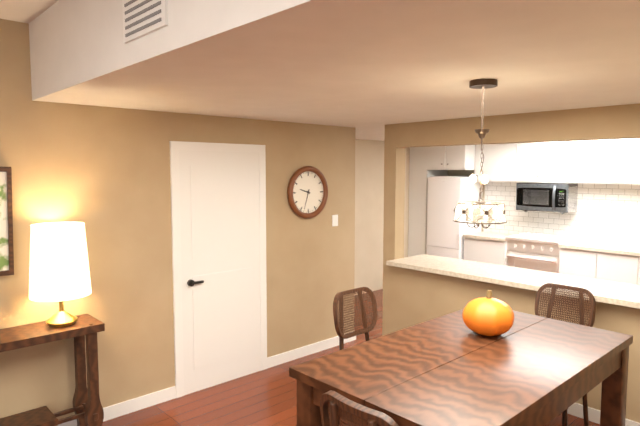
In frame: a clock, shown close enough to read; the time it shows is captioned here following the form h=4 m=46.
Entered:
h=9 m=33
